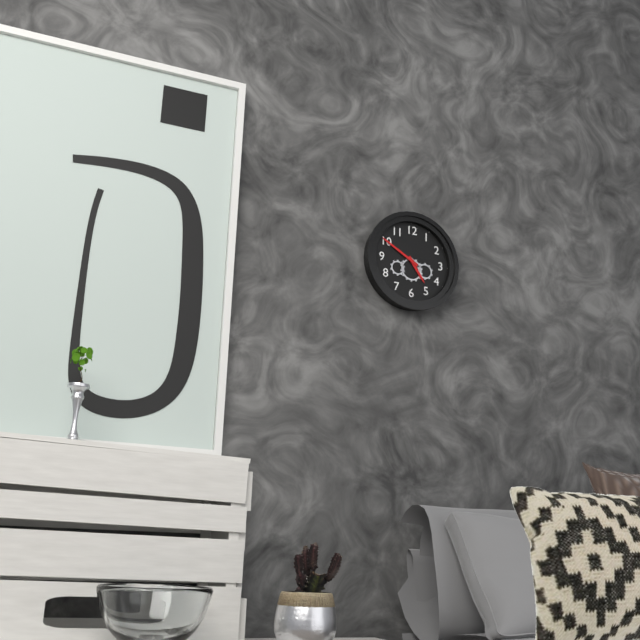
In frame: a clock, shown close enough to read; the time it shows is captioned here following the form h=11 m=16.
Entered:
h=4 m=50
